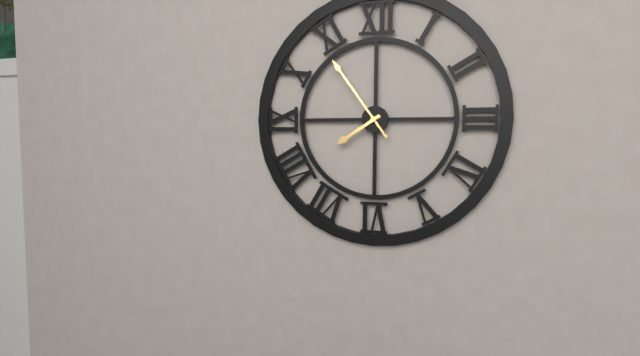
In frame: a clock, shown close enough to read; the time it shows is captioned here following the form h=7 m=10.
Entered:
h=7 m=54
